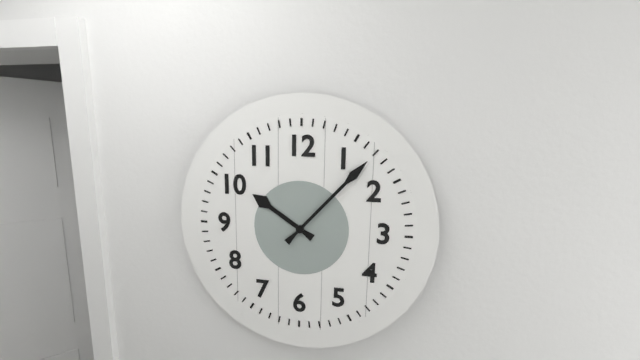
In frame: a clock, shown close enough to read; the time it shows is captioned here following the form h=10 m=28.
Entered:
h=10 m=7
